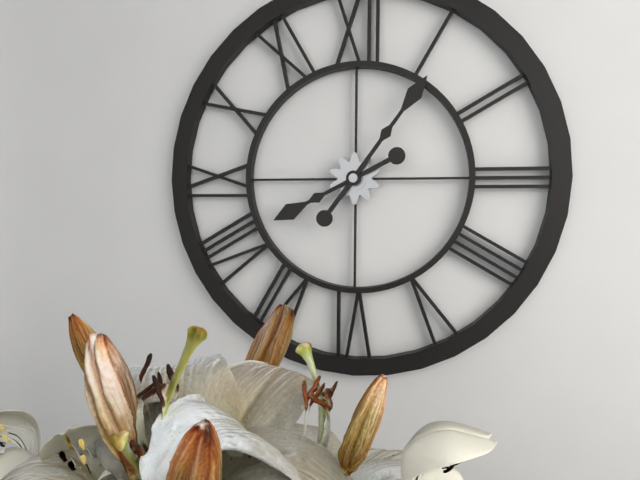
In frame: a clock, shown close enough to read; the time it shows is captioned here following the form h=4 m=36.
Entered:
h=8 m=6
